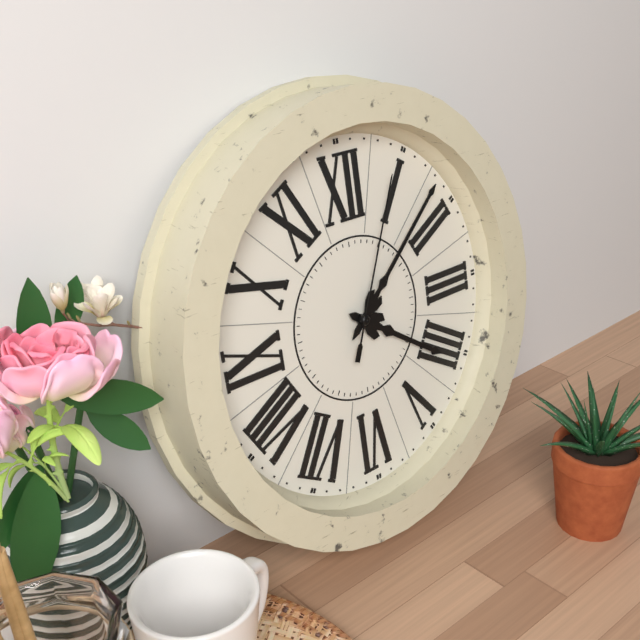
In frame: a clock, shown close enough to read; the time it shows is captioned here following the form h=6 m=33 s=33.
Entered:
h=4 m=8 s=4
